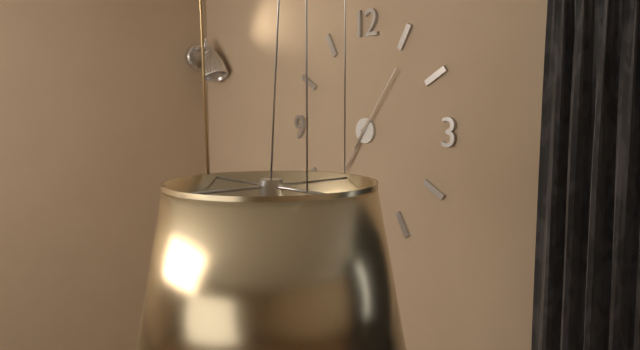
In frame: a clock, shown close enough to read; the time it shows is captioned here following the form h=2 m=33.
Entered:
h=7 m=6
